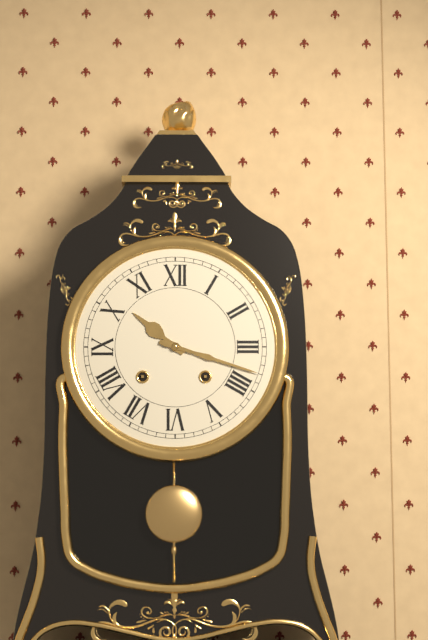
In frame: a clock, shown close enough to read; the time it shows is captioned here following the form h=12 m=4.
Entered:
h=10 m=18
